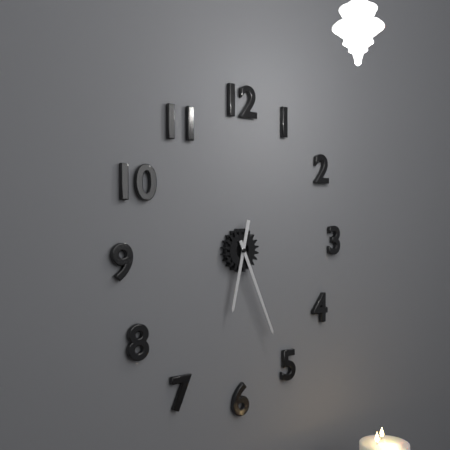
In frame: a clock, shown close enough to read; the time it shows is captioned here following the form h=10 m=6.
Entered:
h=6 m=26
